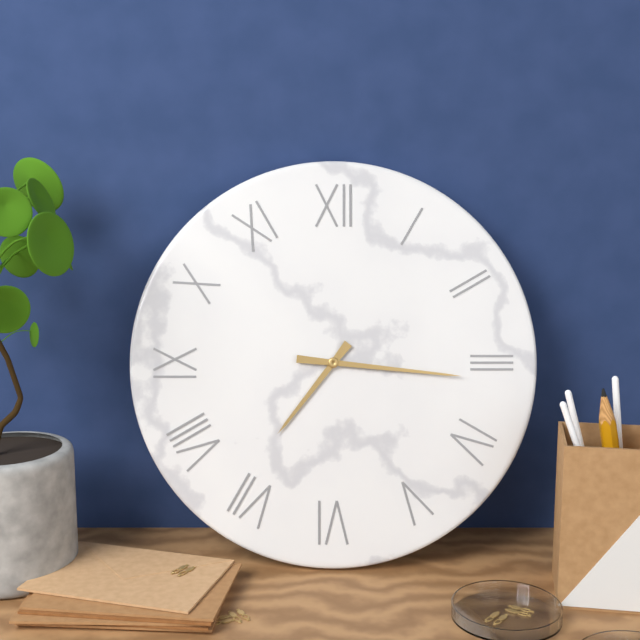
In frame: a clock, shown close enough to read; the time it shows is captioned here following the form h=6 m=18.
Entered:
h=7 m=16
